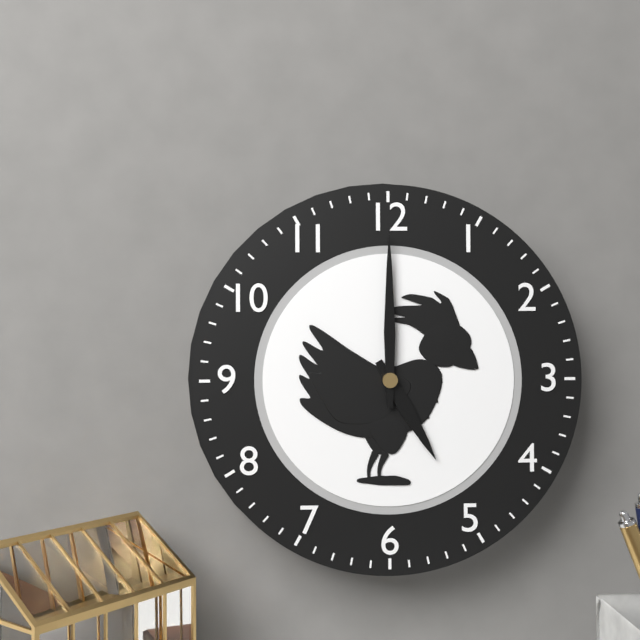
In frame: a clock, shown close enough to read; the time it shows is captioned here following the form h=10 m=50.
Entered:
h=5 m=0
